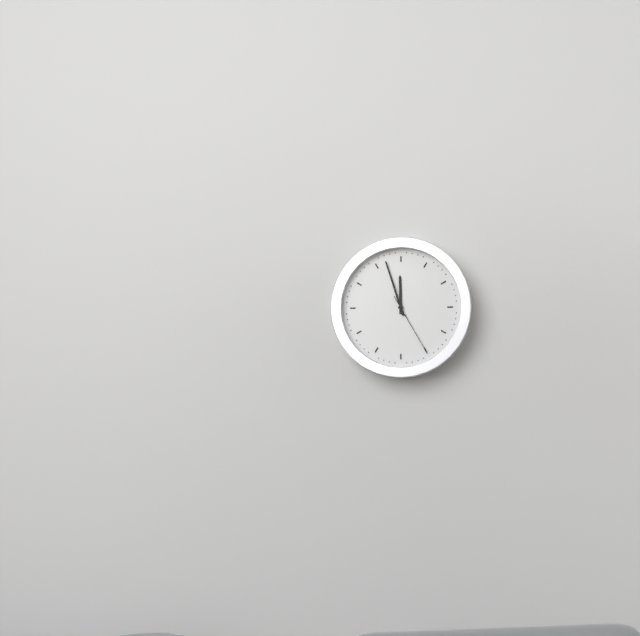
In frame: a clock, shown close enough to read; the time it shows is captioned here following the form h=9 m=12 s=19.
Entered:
h=11 m=57 s=25
